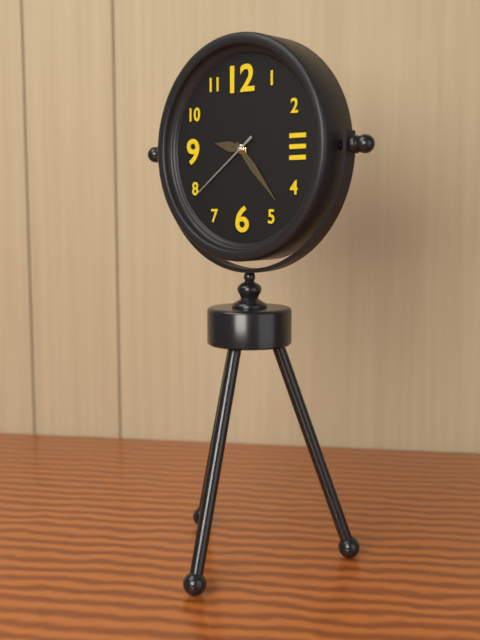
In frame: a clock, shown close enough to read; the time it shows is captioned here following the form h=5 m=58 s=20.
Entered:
h=9 m=23 s=39
